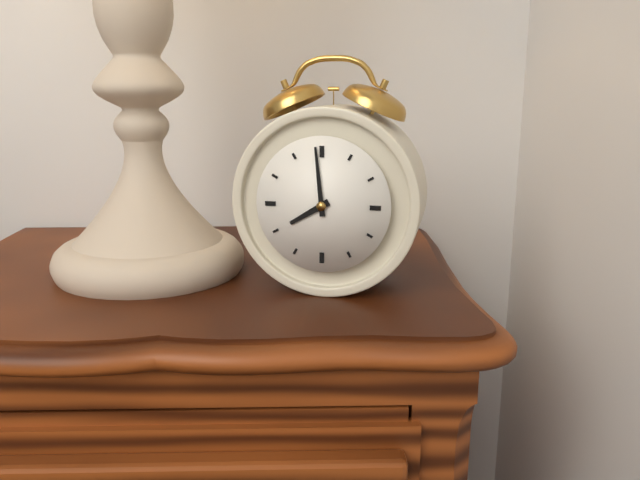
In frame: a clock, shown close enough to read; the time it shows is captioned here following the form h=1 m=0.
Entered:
h=7 m=59
